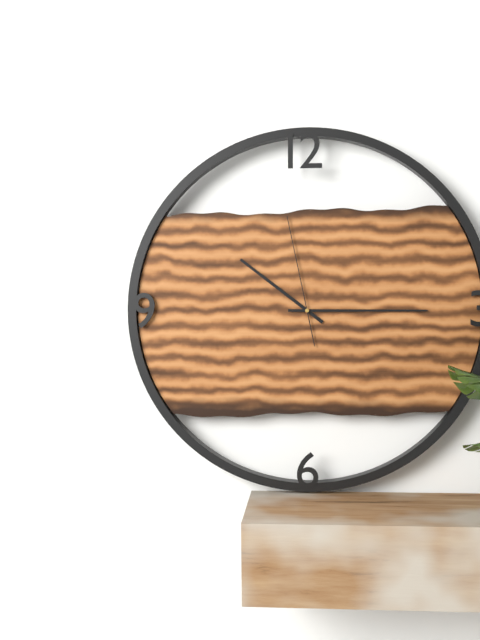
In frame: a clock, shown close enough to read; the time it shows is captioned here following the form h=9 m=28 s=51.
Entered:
h=10 m=15 s=58
